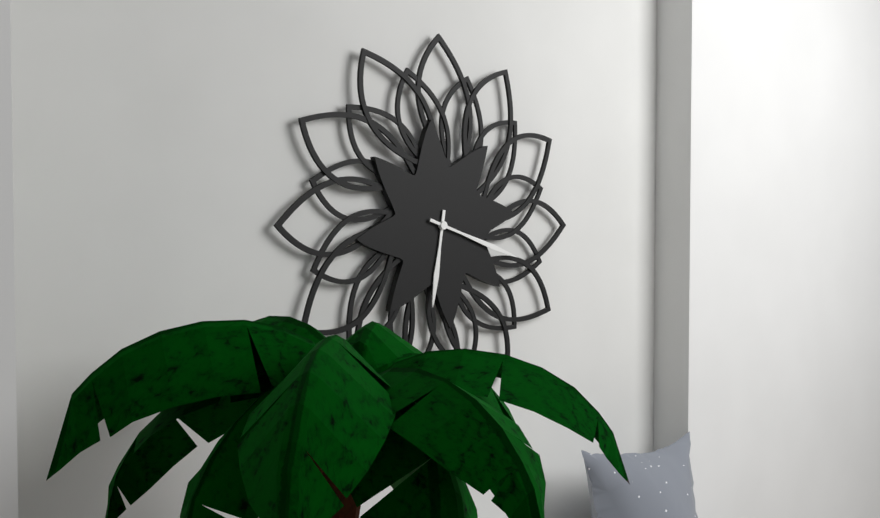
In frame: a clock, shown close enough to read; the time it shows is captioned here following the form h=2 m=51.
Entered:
h=6 m=18
